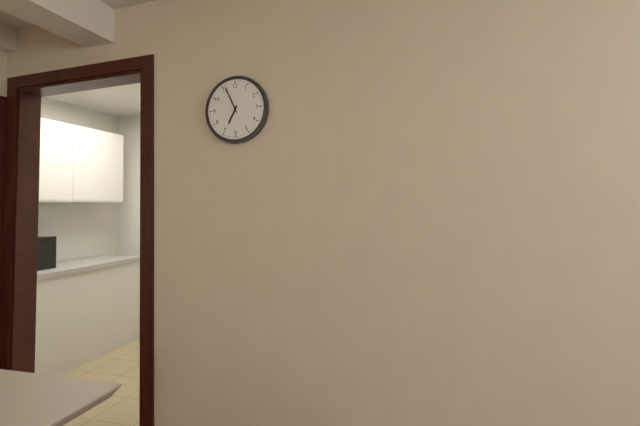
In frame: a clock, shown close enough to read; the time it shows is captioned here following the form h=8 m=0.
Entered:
h=6 m=56
